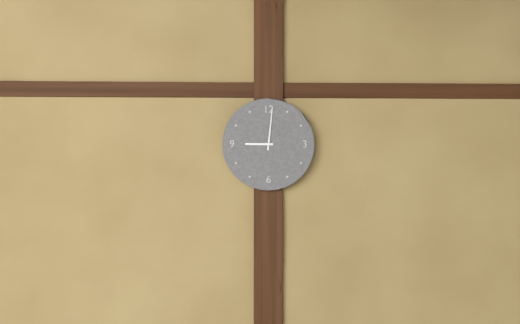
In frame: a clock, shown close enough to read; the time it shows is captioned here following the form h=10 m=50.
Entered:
h=9 m=1
